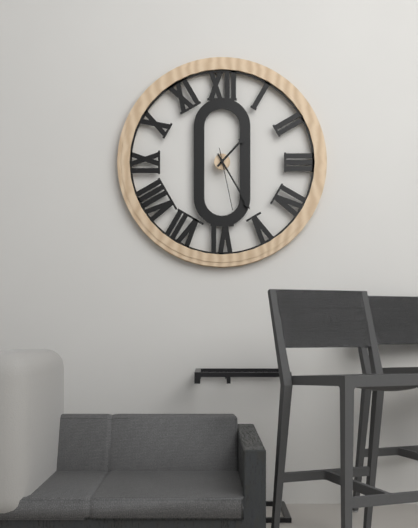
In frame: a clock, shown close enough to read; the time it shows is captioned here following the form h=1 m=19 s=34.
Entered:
h=1 m=25 s=28
